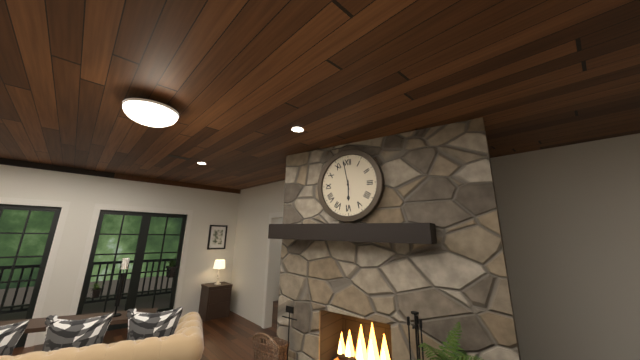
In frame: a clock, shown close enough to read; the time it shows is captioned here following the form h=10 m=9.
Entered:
h=5 m=58
